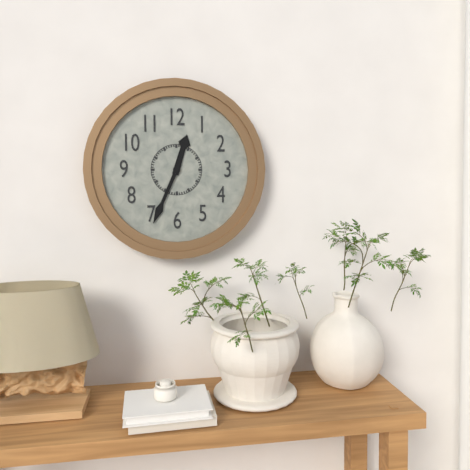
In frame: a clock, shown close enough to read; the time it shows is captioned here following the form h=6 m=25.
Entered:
h=12 m=34
